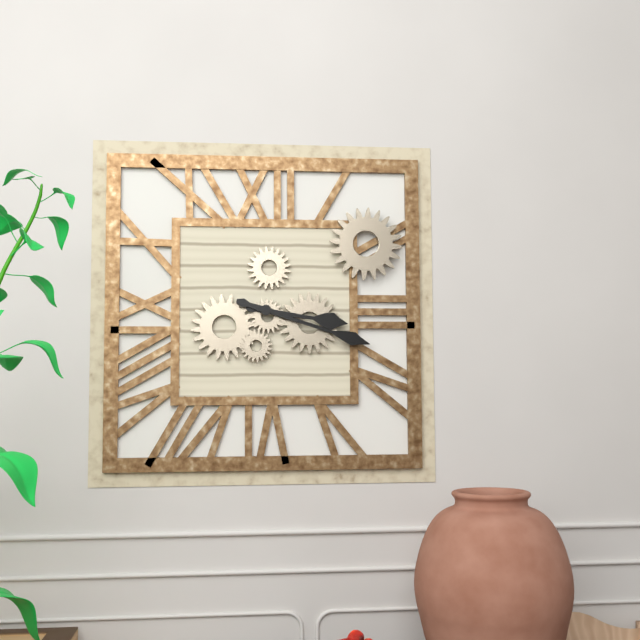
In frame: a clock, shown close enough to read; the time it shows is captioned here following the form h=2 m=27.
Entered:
h=3 m=18
